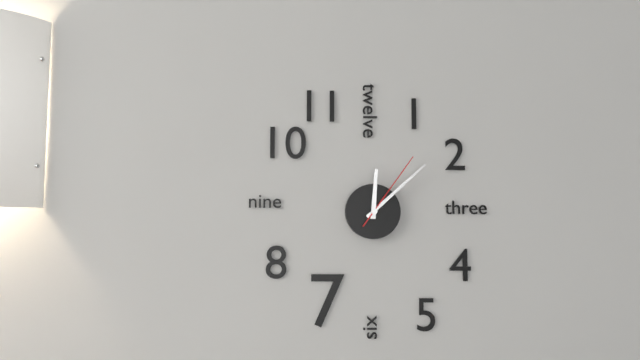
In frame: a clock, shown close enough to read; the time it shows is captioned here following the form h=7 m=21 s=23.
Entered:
h=12 m=8 s=6
